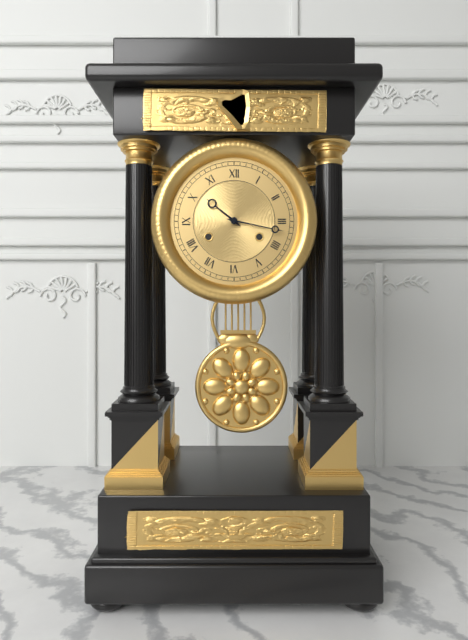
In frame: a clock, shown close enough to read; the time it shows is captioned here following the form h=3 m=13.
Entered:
h=10 m=17
